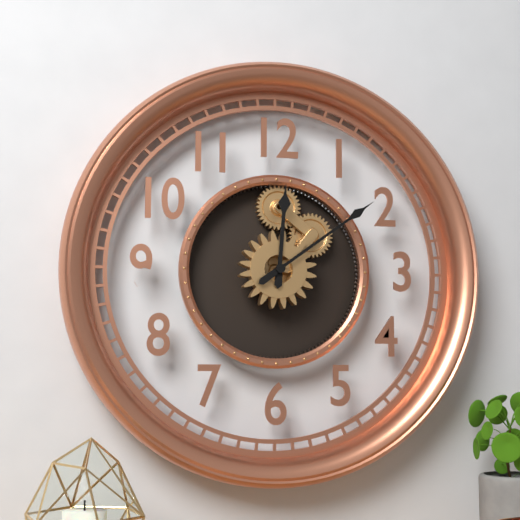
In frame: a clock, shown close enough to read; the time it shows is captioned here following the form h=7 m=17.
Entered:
h=12 m=9
